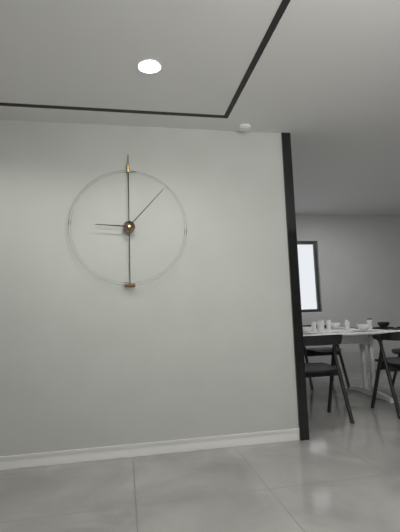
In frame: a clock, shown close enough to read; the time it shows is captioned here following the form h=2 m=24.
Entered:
h=9 m=7
